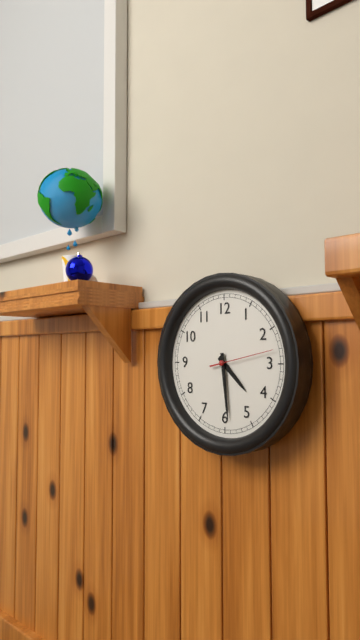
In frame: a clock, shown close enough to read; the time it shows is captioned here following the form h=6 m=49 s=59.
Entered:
h=4 m=29 s=13
